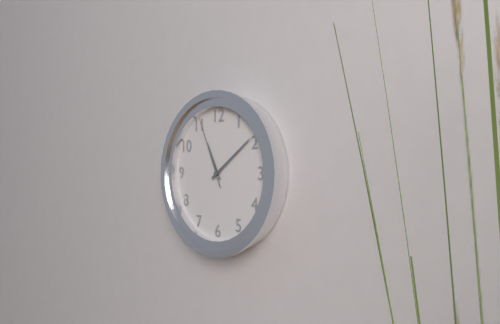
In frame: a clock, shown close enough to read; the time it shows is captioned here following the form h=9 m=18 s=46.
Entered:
h=11 m=9 s=56
